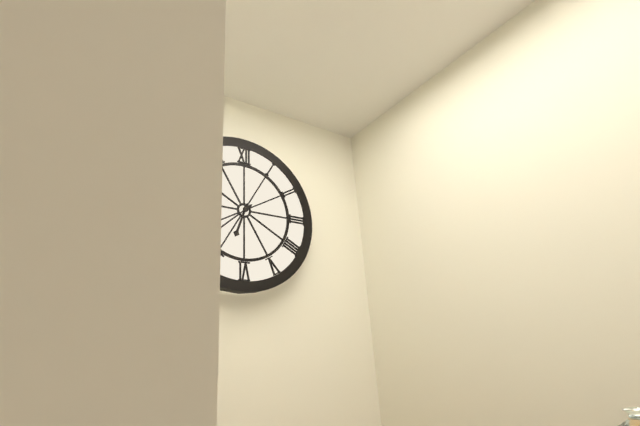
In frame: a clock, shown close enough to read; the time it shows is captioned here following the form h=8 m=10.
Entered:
h=6 m=38
